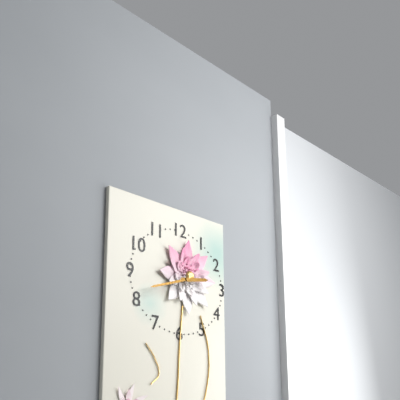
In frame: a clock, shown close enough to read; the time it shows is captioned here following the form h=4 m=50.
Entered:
h=2 m=42
